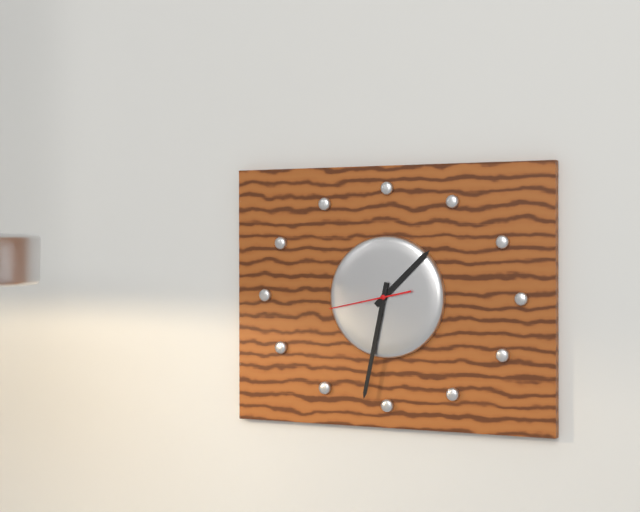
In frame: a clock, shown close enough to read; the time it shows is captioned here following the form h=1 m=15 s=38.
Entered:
h=1 m=32 s=43
